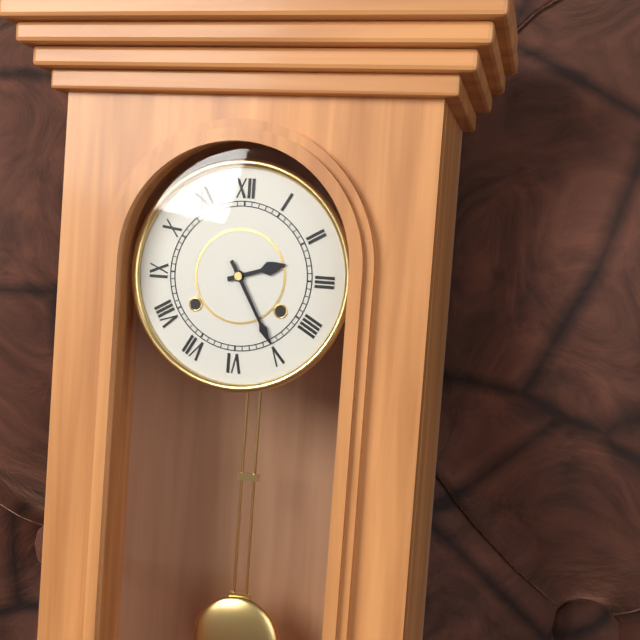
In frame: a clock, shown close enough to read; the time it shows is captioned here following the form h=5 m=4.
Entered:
h=2 m=25
